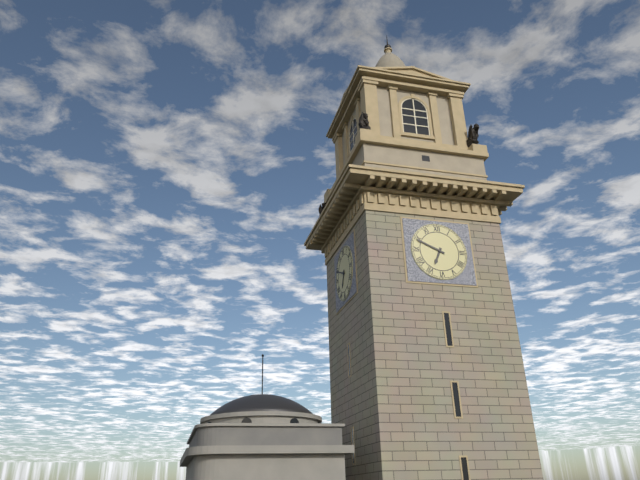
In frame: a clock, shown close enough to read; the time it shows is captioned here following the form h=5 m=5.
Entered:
h=6 m=49
